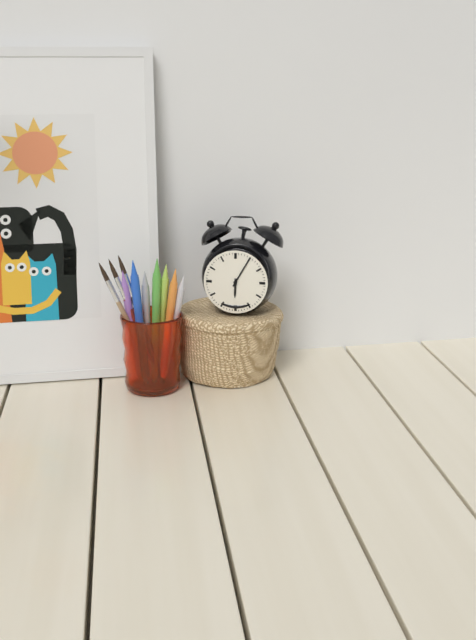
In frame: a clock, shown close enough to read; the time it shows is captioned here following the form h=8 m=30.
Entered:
h=6 m=5
